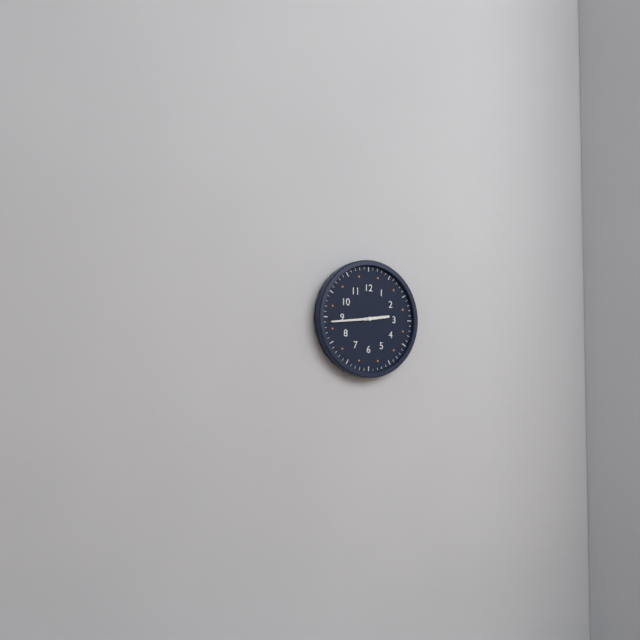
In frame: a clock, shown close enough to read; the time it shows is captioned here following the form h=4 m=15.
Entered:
h=2 m=44
